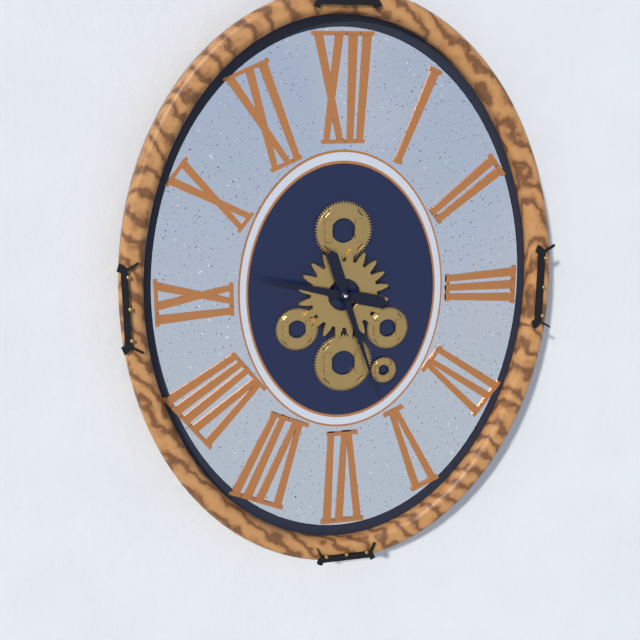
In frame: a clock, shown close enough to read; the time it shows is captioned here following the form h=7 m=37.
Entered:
h=9 m=27
